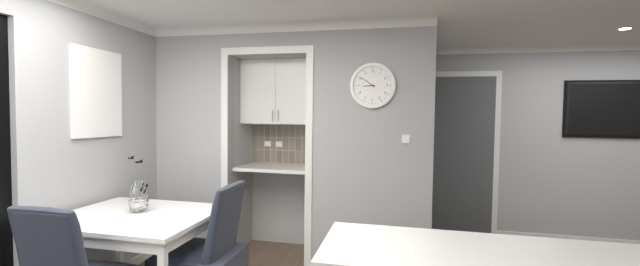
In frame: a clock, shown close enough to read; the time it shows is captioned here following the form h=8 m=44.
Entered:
h=8 m=51
